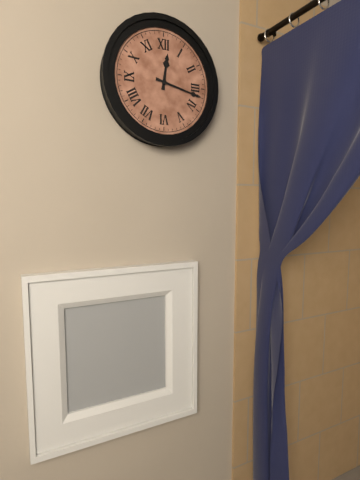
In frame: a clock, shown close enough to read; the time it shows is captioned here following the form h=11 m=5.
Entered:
h=12 m=17
